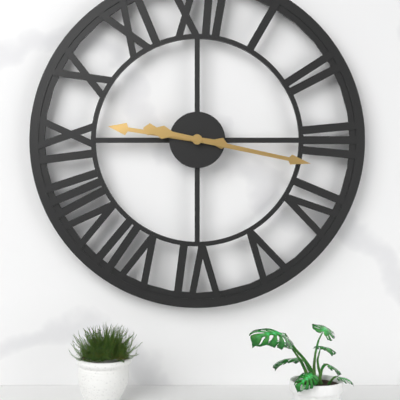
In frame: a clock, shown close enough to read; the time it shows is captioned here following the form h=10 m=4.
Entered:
h=9 m=17
